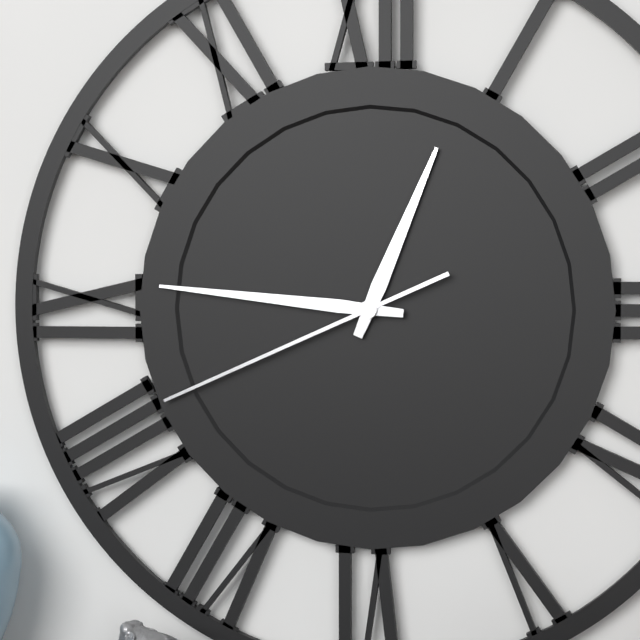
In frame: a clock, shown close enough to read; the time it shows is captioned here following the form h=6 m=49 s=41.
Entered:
h=12 m=46 s=41
